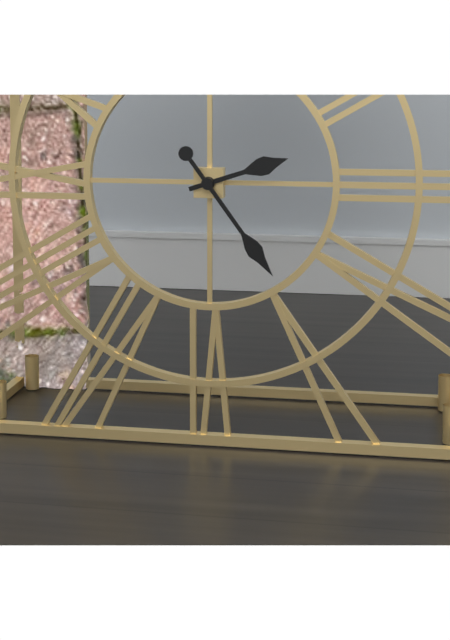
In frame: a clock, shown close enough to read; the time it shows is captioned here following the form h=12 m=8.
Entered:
h=2 m=24
